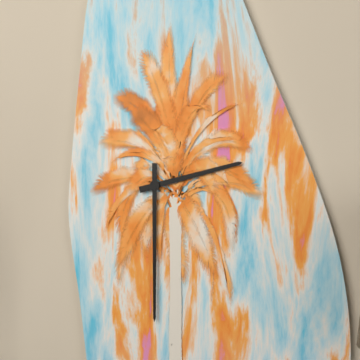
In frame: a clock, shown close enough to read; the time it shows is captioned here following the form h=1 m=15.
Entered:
h=2 m=30
